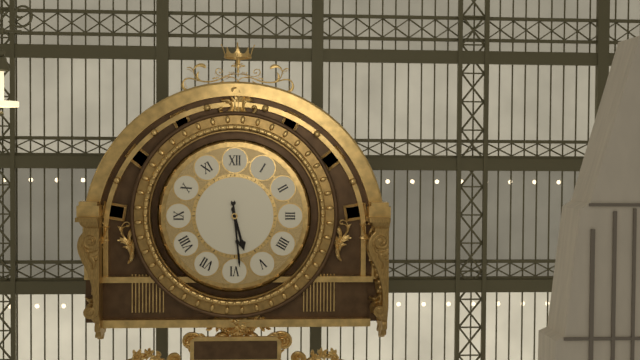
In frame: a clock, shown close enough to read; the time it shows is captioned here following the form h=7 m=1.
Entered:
h=5 m=29
